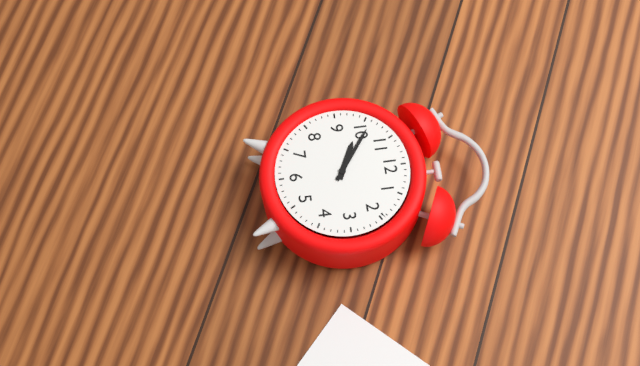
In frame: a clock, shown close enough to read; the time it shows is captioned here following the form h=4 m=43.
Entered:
h=9 m=51
